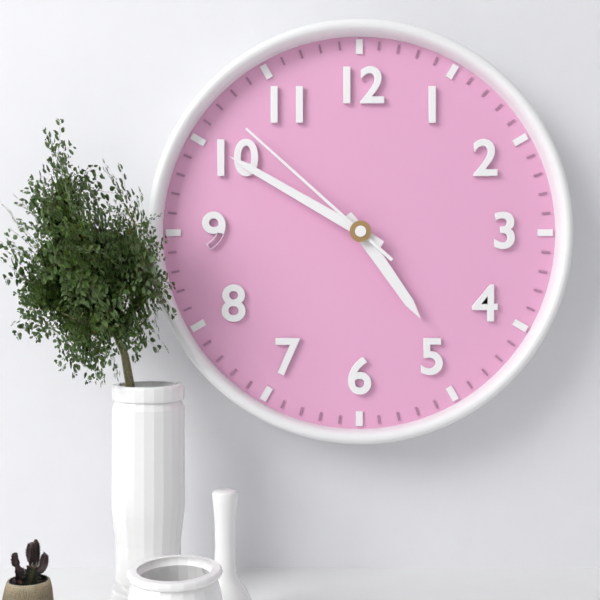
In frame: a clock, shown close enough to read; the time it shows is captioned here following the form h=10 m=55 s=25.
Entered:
h=4 m=50 s=52
